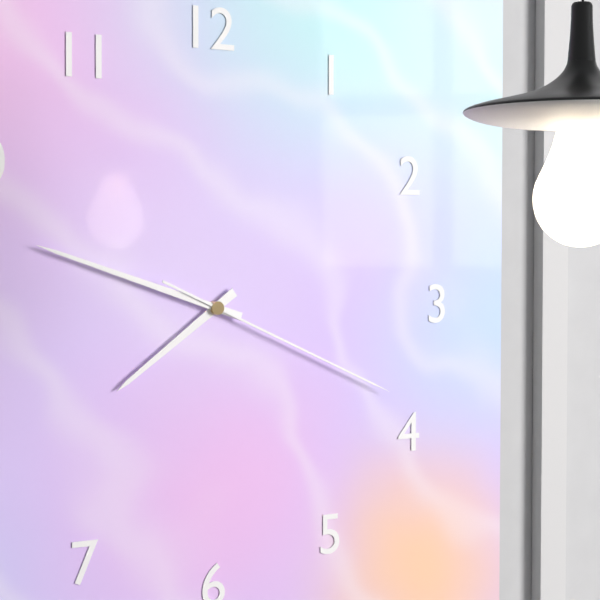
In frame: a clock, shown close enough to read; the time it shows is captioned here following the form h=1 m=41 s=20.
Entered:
h=7 m=48 s=19
